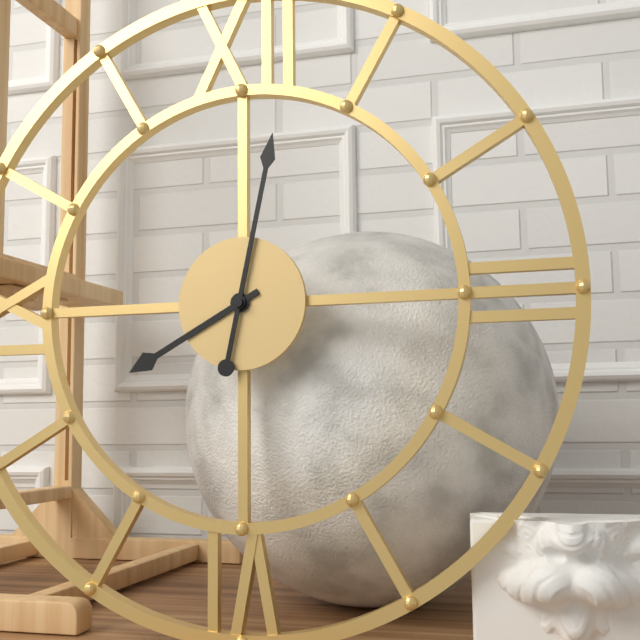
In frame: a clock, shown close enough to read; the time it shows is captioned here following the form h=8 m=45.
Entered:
h=8 m=2
